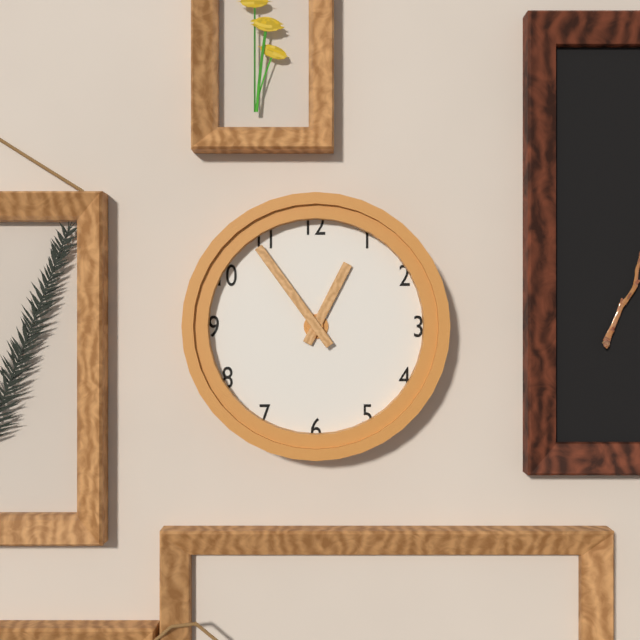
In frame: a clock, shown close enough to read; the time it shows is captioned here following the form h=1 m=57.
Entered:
h=12 m=54
